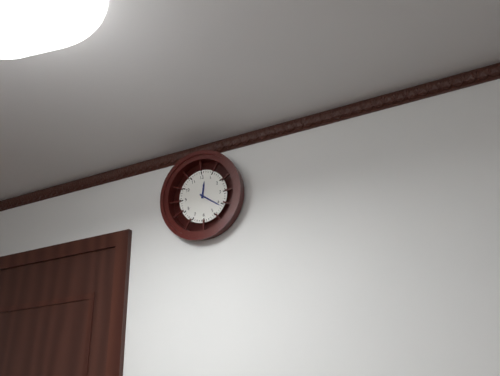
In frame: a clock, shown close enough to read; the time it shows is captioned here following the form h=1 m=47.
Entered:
h=12 m=21
